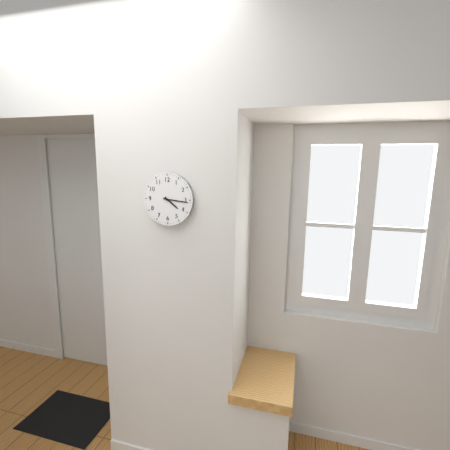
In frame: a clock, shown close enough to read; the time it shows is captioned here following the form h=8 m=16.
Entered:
h=4 m=16
